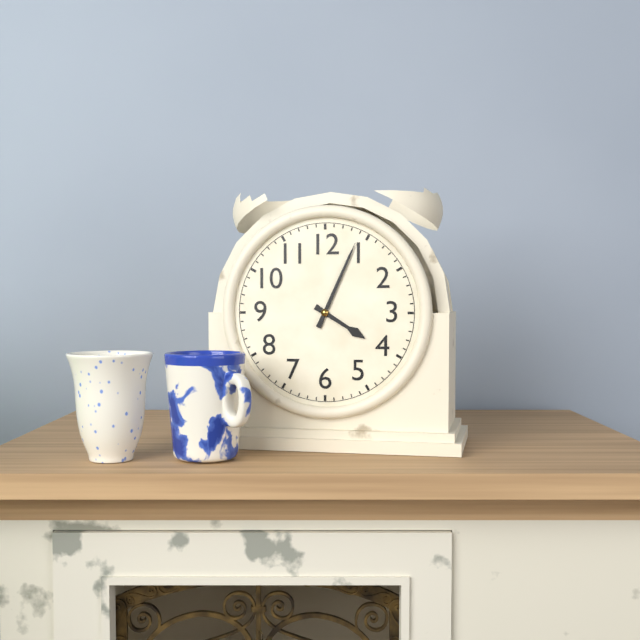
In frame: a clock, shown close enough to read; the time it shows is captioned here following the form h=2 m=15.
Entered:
h=4 m=4
